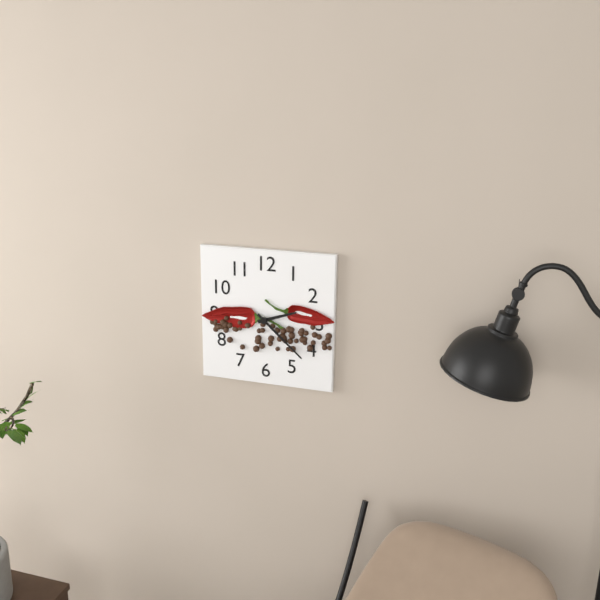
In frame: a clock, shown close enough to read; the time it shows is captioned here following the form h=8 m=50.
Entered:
h=2 m=22
